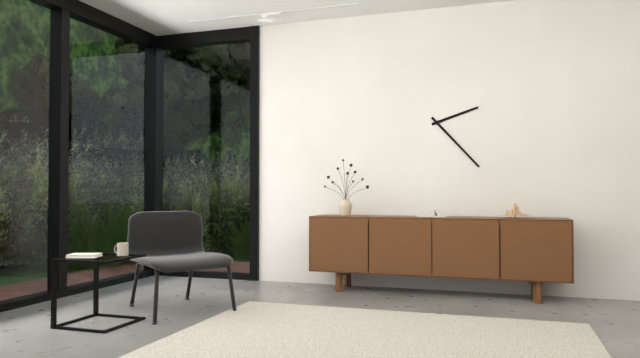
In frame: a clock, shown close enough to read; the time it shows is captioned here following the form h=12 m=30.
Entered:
h=2 m=23
